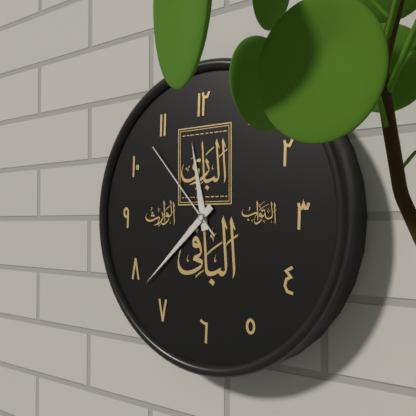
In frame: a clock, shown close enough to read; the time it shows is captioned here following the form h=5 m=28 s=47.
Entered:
h=11 m=38 s=53
